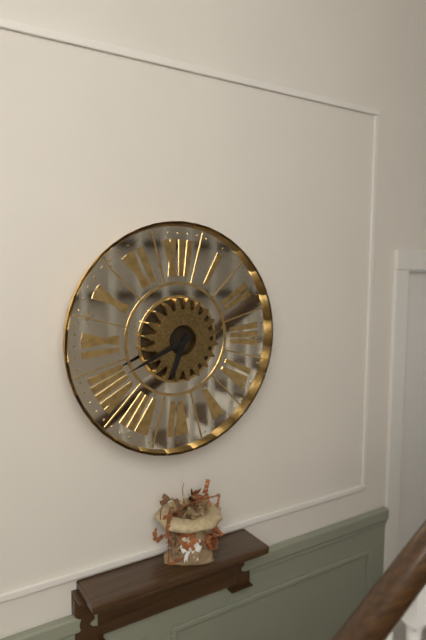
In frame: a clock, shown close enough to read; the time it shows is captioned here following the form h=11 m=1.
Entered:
h=6 m=41
